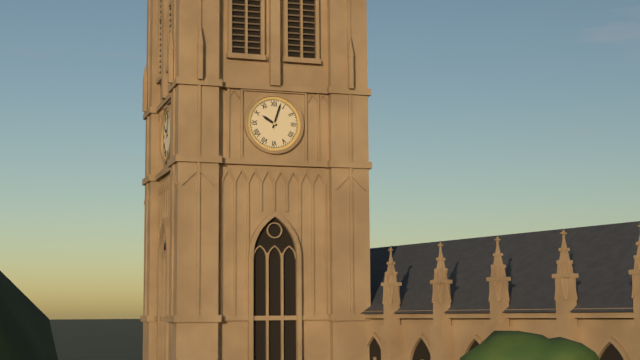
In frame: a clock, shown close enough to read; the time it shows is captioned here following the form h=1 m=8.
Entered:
h=10 m=3
